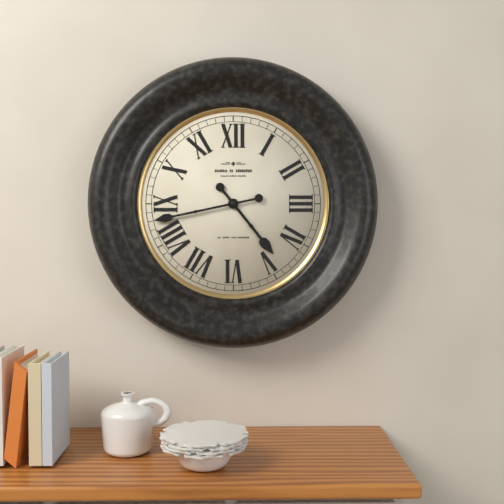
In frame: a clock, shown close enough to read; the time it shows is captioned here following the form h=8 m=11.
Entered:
h=4 m=43
